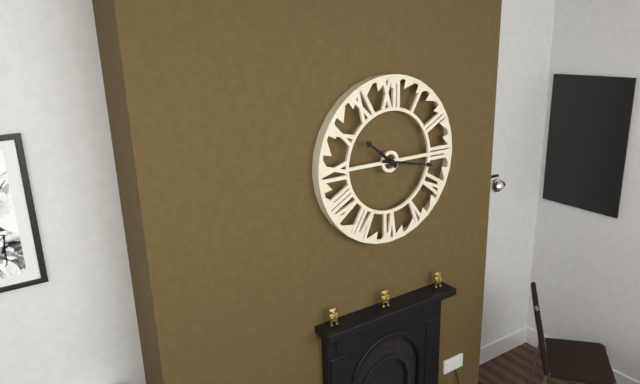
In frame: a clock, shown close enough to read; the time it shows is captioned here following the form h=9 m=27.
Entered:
h=10 m=17
